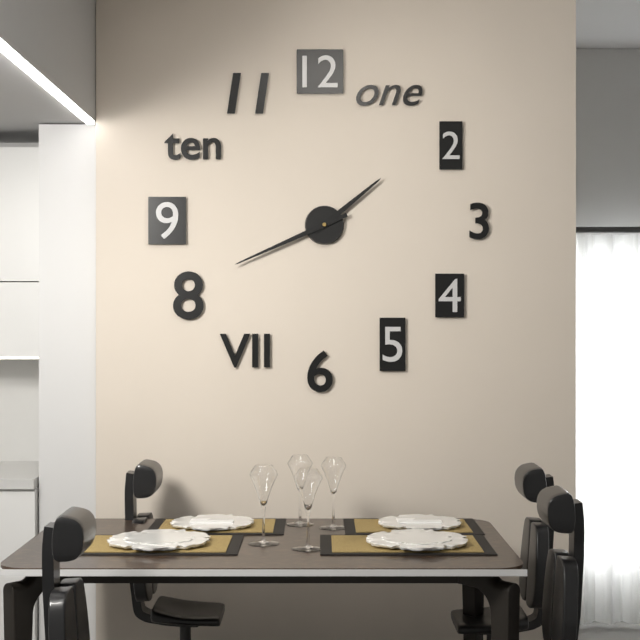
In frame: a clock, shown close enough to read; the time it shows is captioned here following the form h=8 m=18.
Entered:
h=1 m=41
